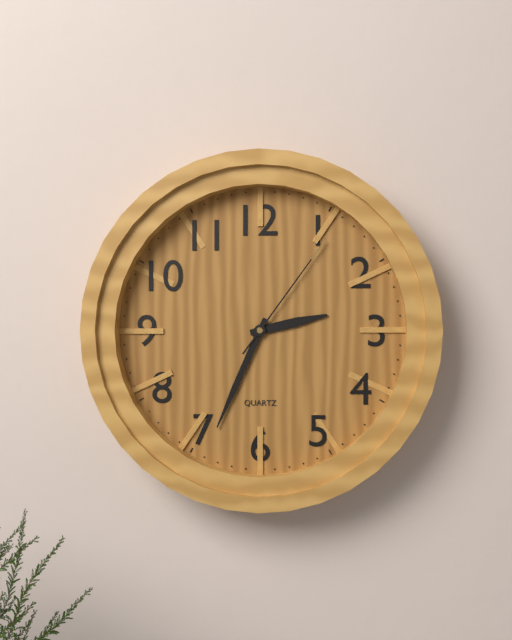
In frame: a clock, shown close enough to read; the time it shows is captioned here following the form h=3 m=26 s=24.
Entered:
h=2 m=34 s=6
